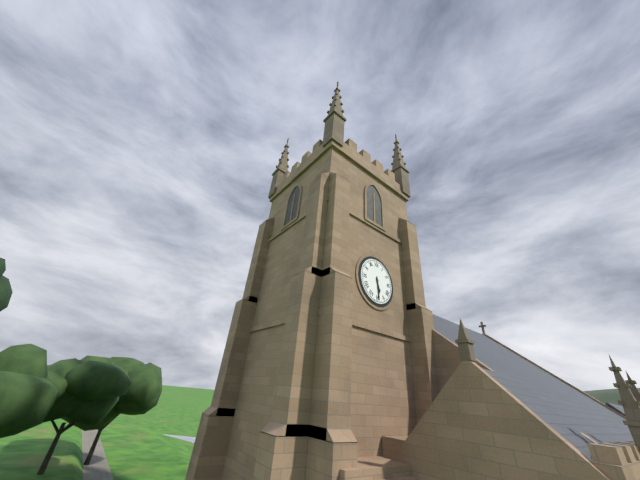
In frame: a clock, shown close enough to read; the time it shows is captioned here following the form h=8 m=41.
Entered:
h=5 m=29
